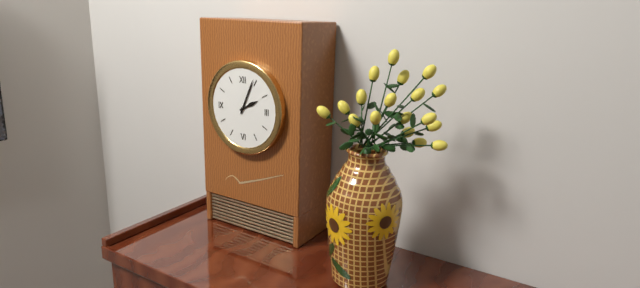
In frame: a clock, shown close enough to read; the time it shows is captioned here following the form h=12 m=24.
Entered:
h=2 m=4
